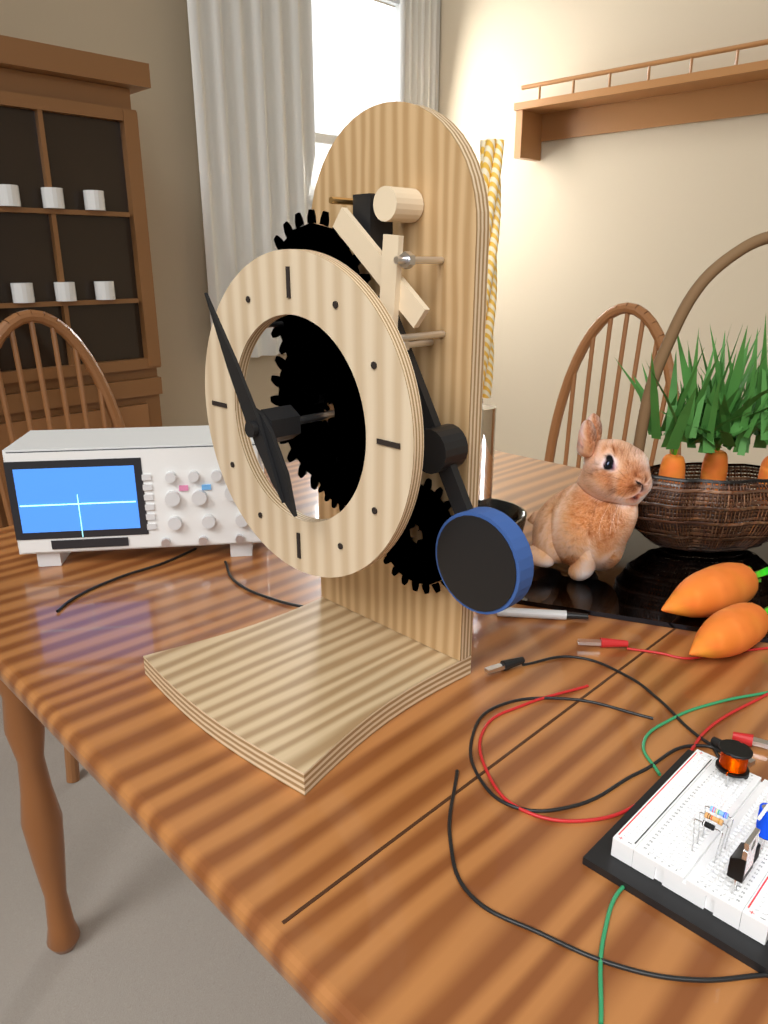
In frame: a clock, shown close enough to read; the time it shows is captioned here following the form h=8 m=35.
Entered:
h=4 m=55
